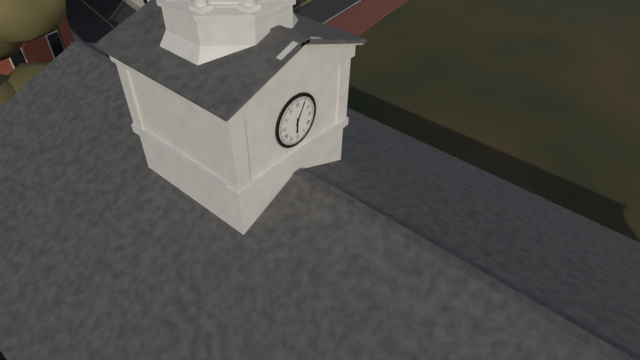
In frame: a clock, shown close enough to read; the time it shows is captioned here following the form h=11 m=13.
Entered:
h=6 m=5
